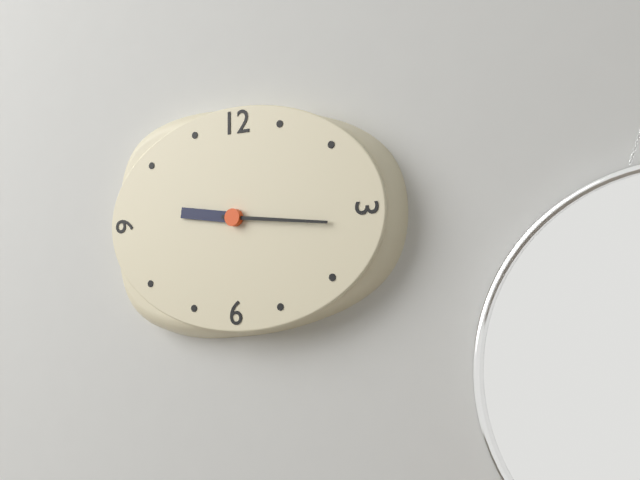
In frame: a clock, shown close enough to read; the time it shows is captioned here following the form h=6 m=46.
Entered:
h=9 m=16
